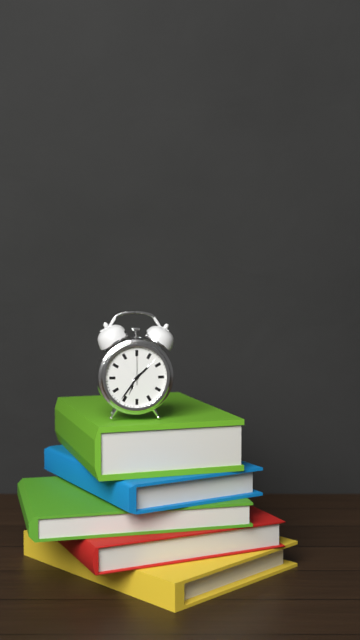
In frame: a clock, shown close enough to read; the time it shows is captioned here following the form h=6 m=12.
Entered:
h=1 m=36
